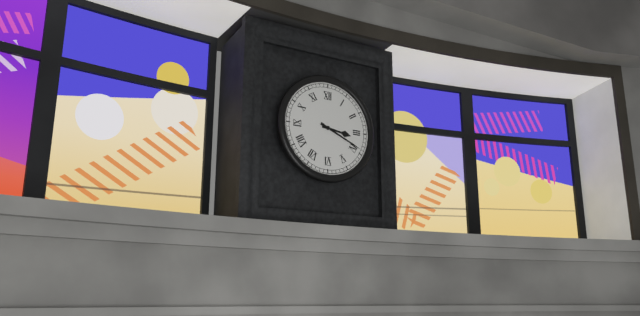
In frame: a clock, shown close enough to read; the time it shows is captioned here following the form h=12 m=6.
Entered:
h=3 m=19
